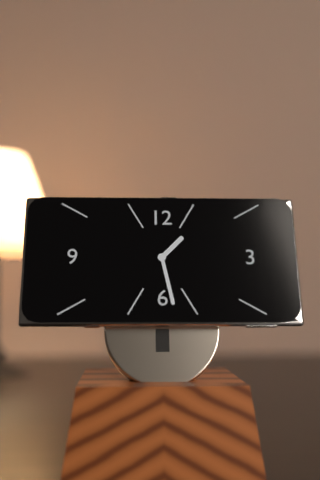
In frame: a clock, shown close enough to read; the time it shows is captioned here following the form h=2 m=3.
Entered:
h=1 m=28
